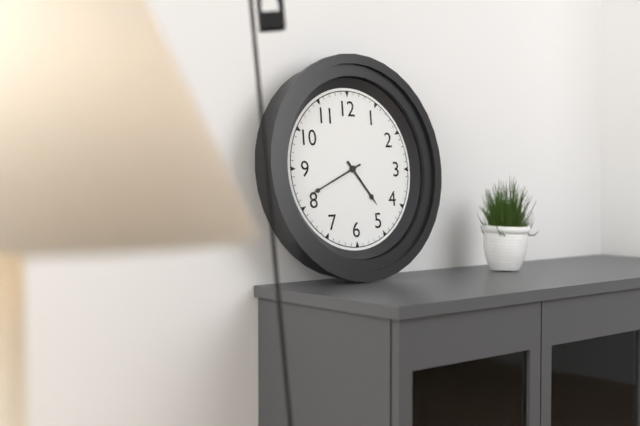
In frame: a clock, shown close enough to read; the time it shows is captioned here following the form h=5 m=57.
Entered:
h=4 m=41
